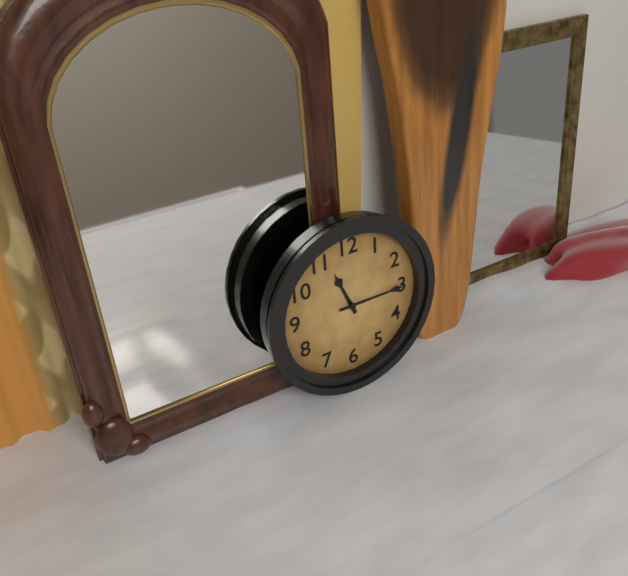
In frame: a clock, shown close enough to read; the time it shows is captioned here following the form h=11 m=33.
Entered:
h=11 m=15
